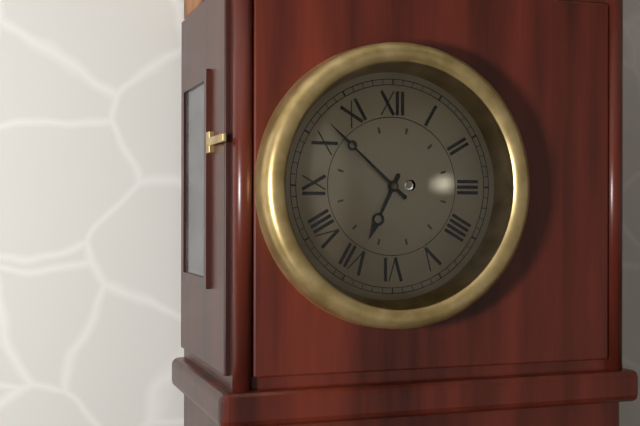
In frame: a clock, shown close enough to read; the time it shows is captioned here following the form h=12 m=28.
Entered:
h=6 m=52
